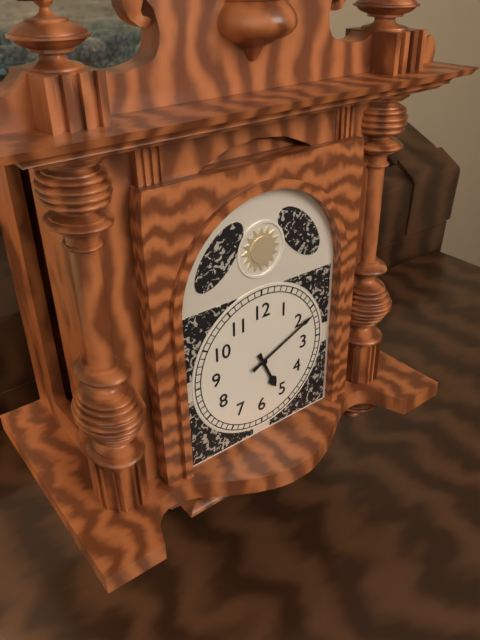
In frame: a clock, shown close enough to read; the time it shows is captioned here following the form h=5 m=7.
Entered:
h=5 m=11
